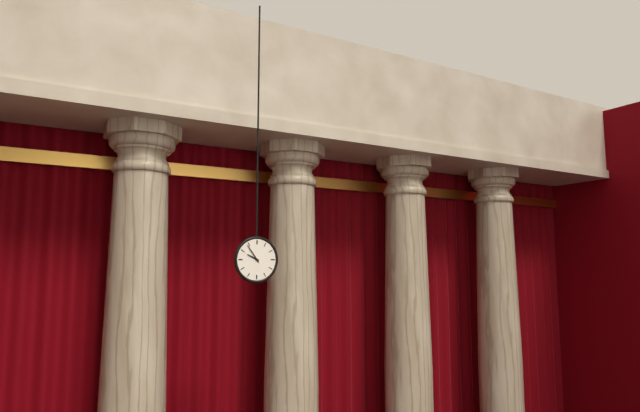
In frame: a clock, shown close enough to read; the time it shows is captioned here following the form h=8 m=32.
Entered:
h=9 m=54
